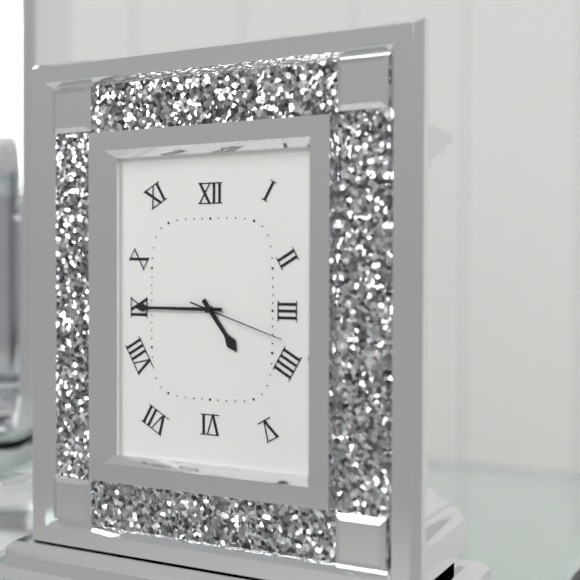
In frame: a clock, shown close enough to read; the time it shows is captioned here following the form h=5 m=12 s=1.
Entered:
h=4 m=45 s=18
